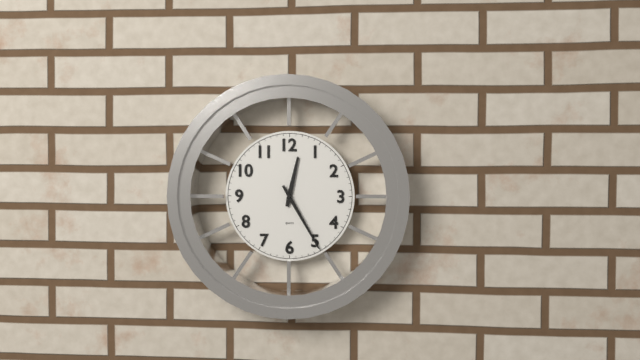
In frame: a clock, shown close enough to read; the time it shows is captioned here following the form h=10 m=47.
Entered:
h=12 m=25
